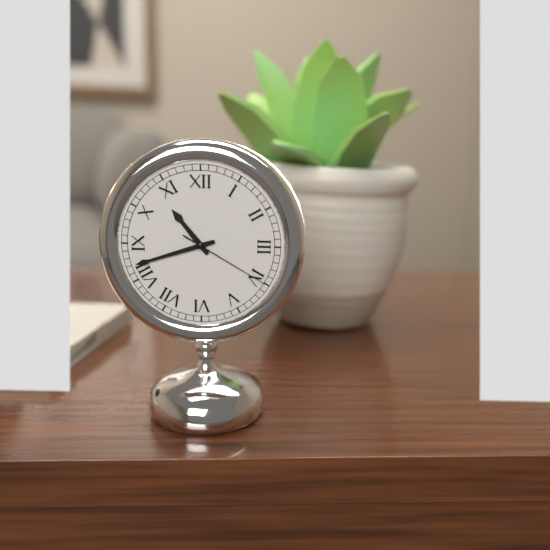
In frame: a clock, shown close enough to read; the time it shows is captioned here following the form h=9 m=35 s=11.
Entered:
h=10 m=42 s=20
